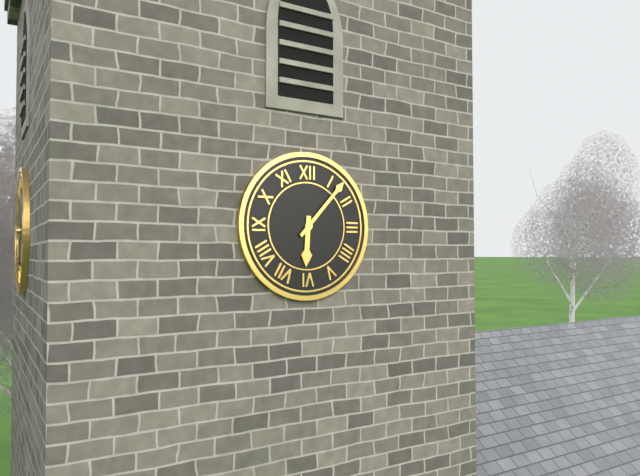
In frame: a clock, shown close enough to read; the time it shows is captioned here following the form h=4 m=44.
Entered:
h=6 m=7
